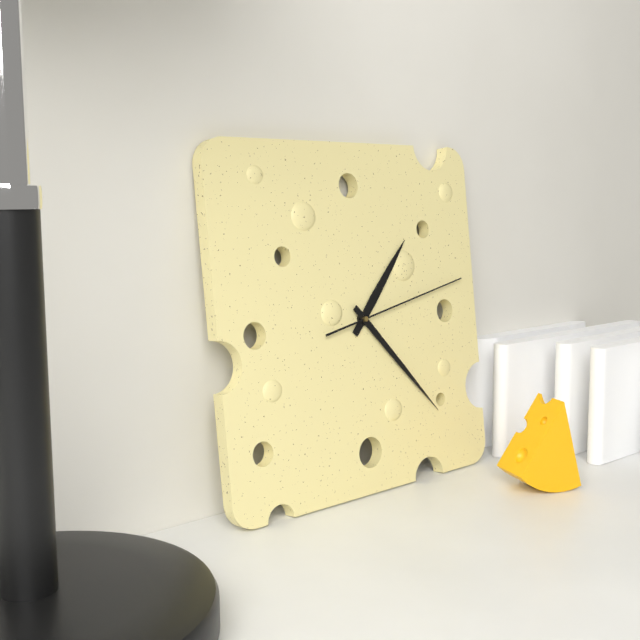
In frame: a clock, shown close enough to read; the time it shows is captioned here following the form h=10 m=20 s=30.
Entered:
h=1 m=23 s=13
